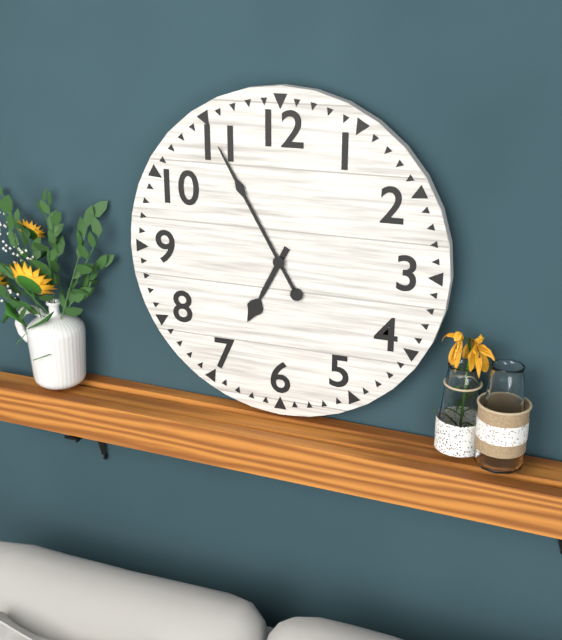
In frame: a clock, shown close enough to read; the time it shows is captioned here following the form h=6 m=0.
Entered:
h=6 m=55
